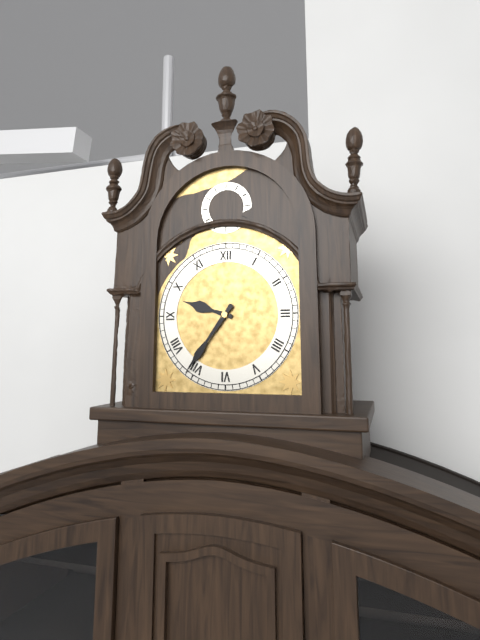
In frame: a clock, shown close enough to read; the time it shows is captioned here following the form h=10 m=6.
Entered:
h=9 m=36
